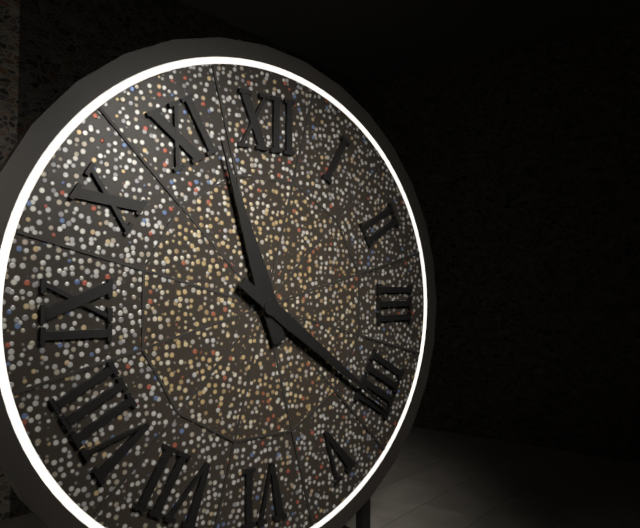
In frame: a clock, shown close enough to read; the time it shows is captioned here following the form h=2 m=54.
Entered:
h=11 m=21
